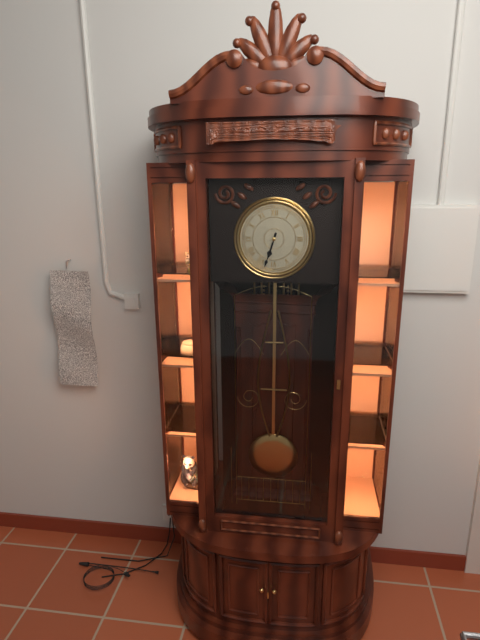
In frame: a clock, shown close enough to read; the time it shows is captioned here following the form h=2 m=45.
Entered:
h=6 m=33
